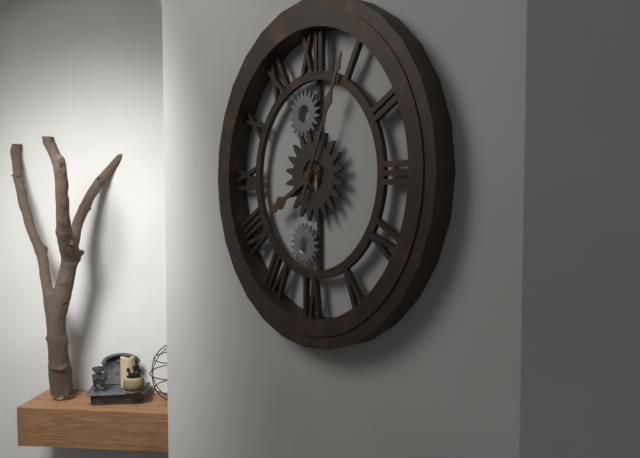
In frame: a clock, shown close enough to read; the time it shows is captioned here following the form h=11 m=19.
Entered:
h=8 m=4
